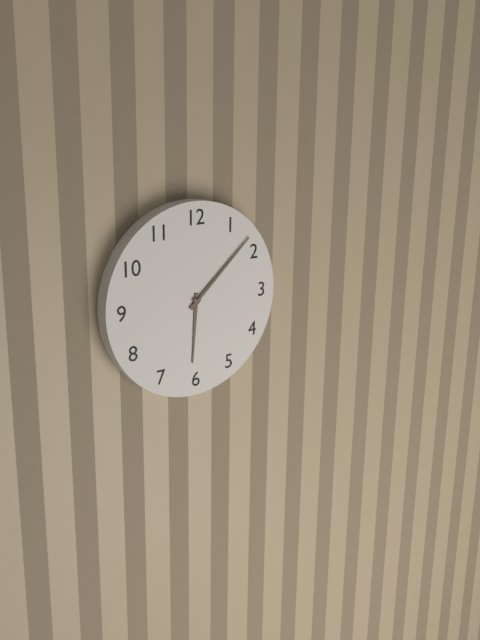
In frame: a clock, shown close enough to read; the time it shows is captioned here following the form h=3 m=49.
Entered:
h=6 m=8
